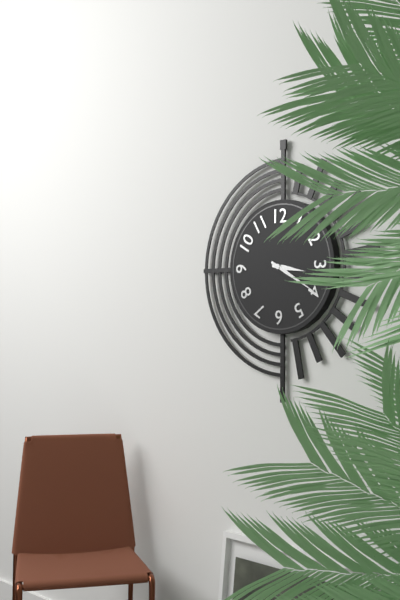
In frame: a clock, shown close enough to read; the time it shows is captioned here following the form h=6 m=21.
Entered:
h=3 m=20
